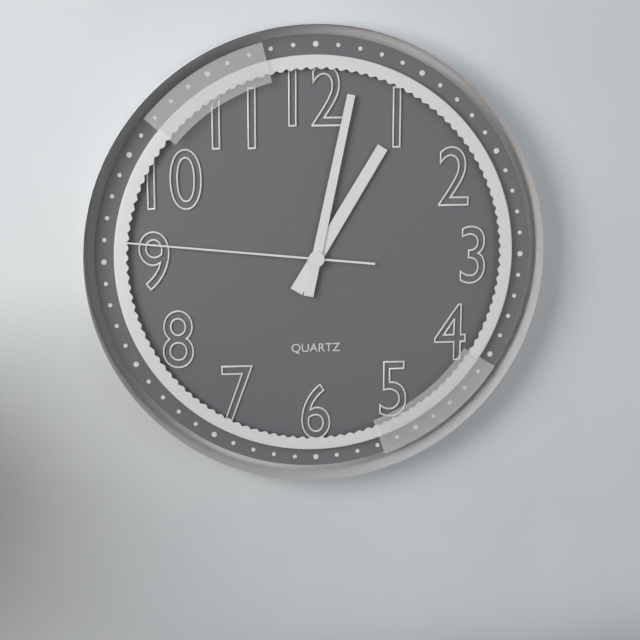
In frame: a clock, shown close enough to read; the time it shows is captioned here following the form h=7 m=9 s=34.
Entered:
h=1 m=2 s=46
